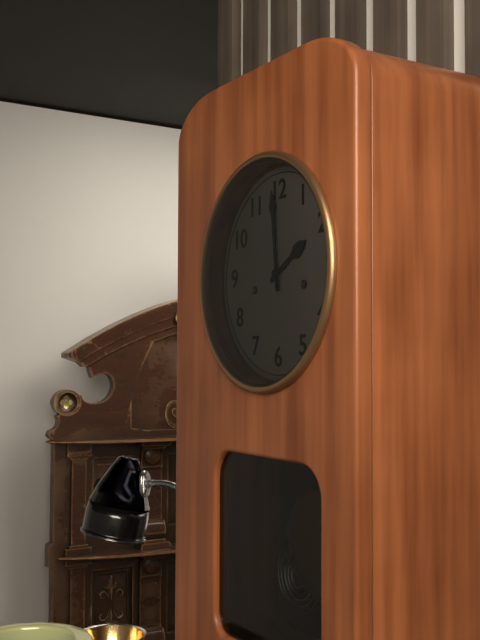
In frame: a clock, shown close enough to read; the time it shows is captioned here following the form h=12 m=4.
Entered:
h=1 m=59
